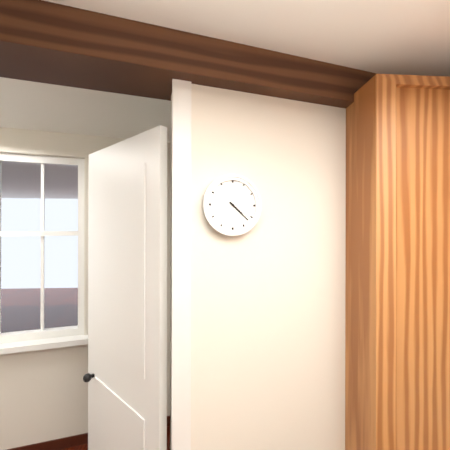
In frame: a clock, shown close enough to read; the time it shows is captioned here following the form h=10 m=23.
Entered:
h=4 m=22
